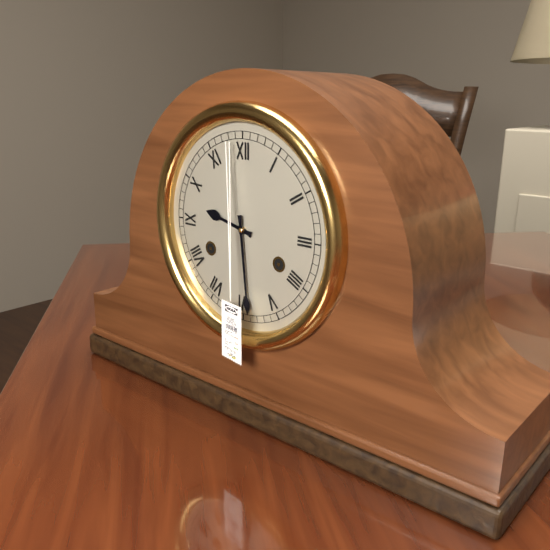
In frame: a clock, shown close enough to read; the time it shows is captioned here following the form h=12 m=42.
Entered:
h=9 m=29
